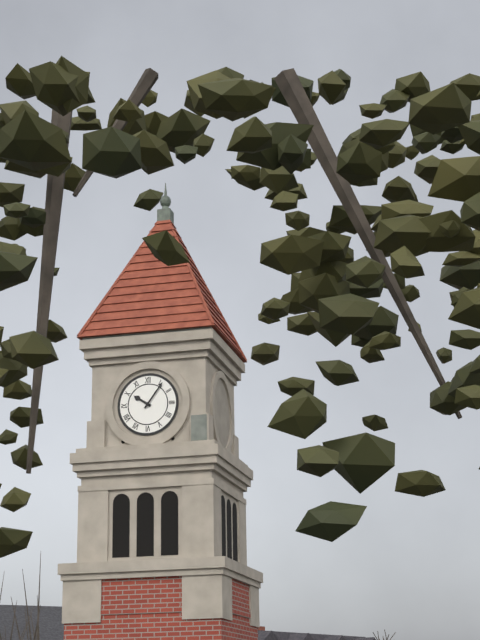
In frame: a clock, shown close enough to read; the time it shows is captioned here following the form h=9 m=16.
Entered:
h=10 m=6
